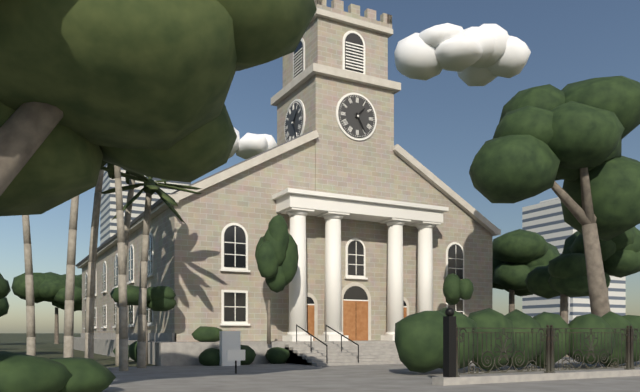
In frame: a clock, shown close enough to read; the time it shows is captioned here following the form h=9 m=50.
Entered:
h=1 m=25
